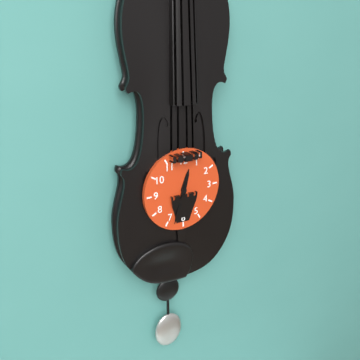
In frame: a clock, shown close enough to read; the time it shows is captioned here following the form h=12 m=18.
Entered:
h=12 m=33
